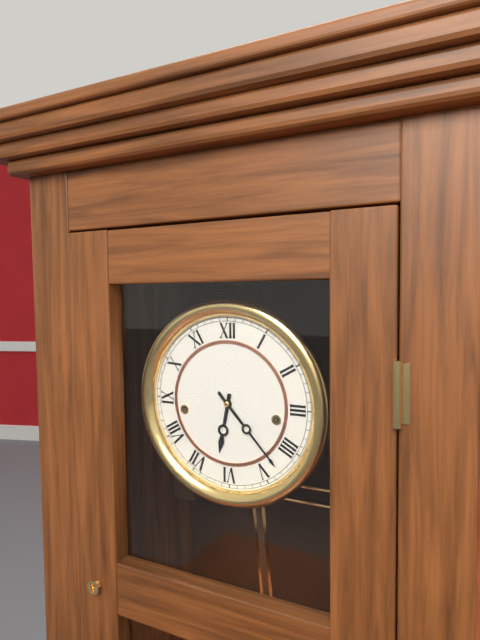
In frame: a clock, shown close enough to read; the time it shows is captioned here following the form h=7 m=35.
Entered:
h=6 m=23
